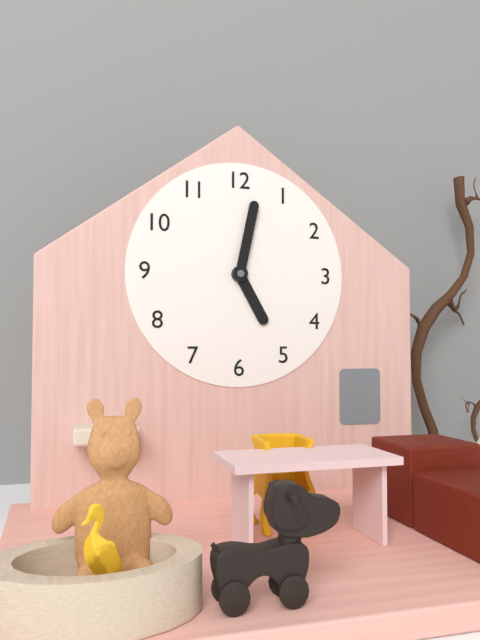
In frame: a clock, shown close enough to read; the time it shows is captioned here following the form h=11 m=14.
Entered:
h=5 m=2
